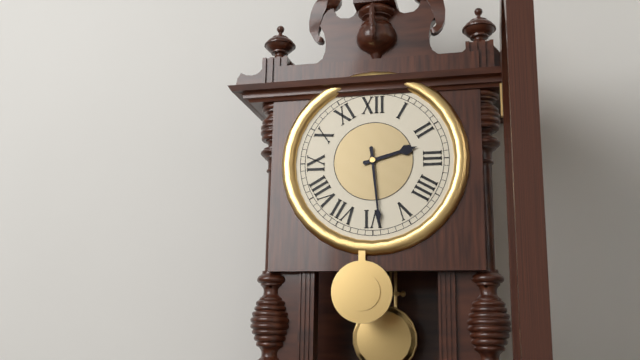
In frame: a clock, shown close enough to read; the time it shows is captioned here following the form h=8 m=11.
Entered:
h=2 m=29
